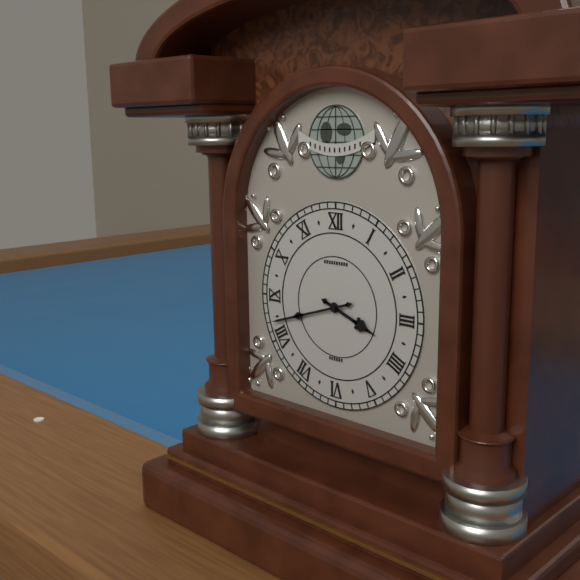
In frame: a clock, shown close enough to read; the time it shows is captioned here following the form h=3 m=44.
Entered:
h=3 m=42
